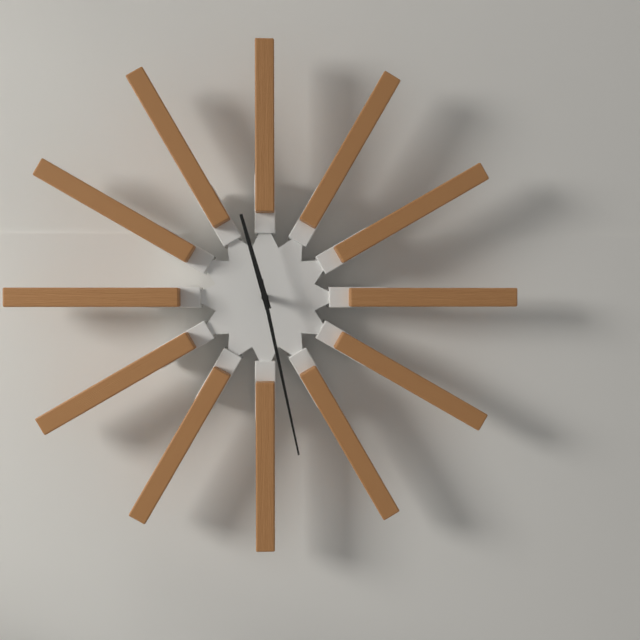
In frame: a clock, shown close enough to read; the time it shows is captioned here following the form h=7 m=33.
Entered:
h=11 m=28
